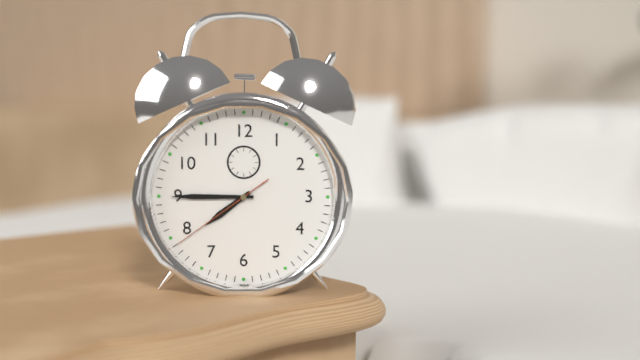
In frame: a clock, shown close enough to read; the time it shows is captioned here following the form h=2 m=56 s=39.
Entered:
h=7 m=45 s=39
